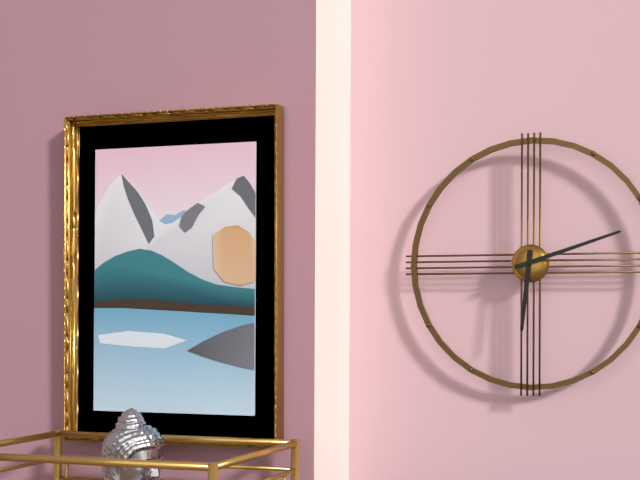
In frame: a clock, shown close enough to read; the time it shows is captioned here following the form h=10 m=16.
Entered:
h=6 m=12
